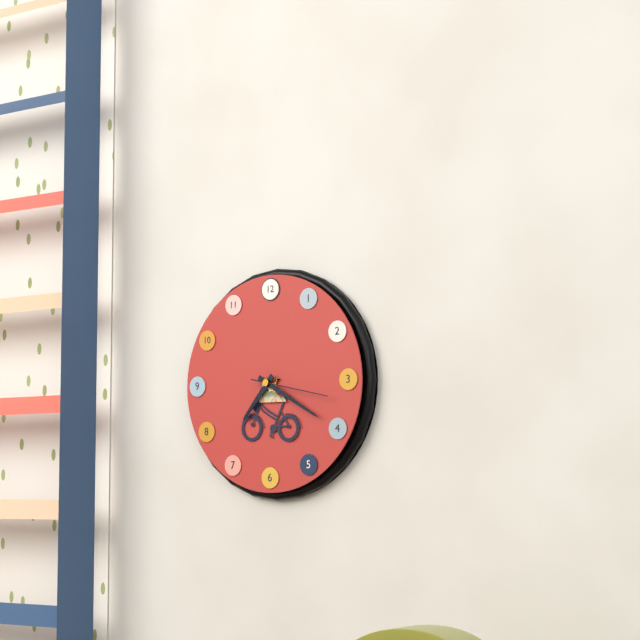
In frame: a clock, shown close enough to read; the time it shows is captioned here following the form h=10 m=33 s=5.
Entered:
h=7 m=20 s=17
